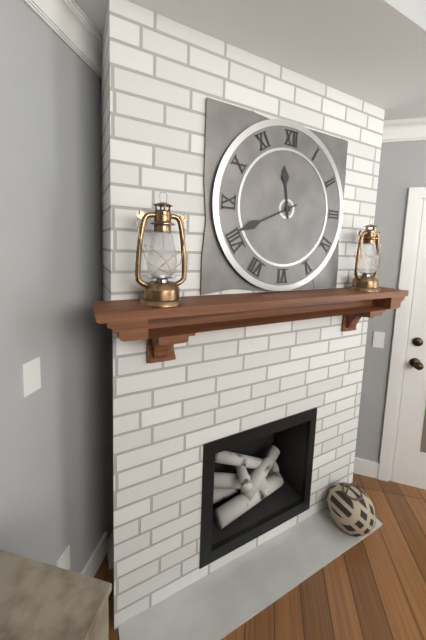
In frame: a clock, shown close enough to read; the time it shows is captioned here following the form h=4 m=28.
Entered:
h=11 m=41
